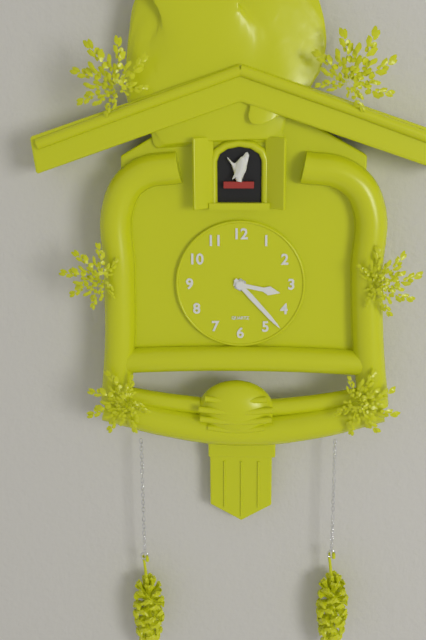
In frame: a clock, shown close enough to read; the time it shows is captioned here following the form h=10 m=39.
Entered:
h=3 m=23
